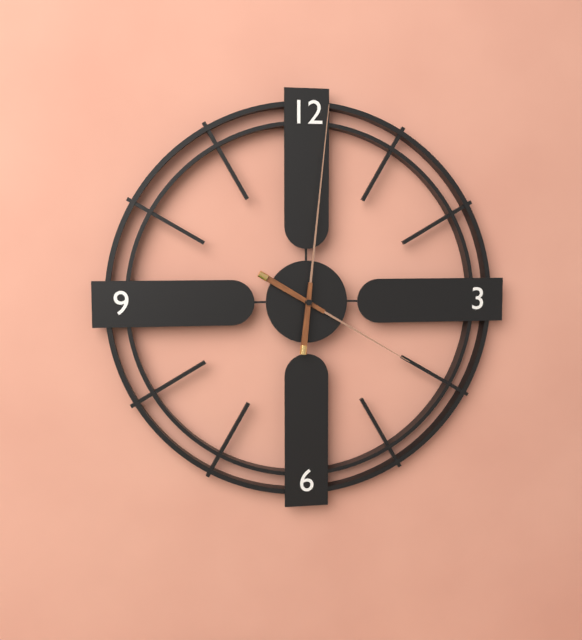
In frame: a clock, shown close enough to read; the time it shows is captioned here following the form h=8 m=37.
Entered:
h=4 m=1
